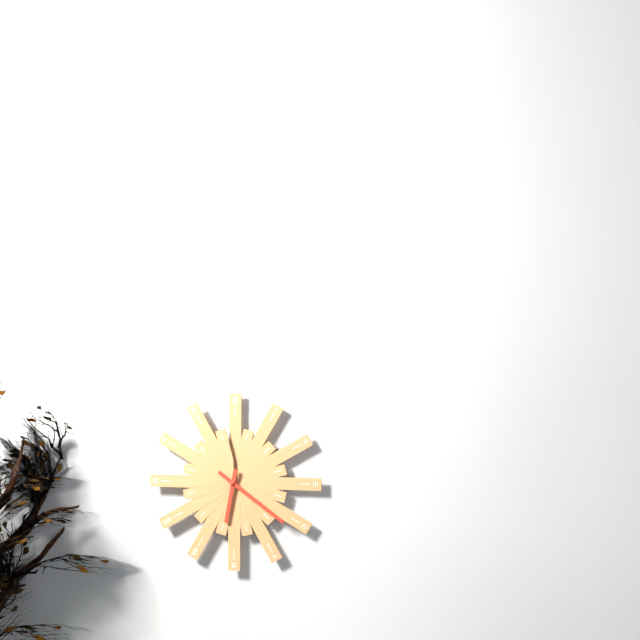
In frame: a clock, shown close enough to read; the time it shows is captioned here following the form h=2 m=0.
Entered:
h=6 m=21
